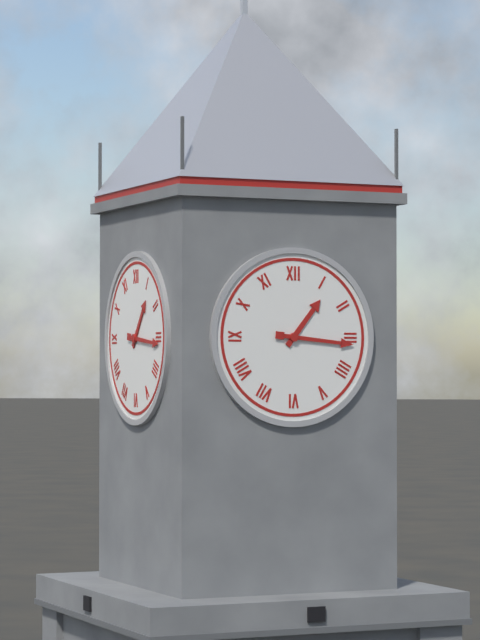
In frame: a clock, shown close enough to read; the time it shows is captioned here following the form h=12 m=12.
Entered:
h=1 m=16
